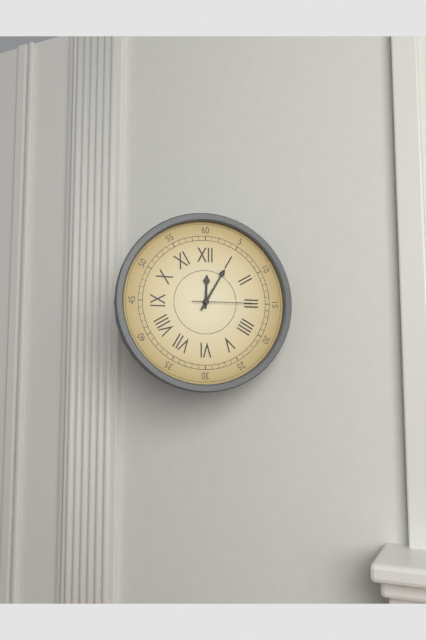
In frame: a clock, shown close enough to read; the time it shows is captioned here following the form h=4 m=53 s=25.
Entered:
h=12 m=5 s=15
